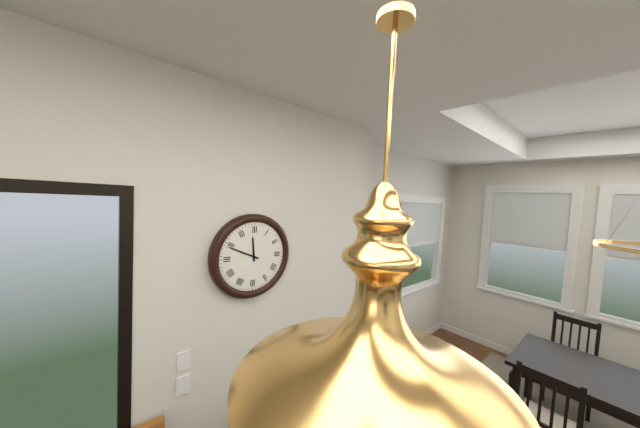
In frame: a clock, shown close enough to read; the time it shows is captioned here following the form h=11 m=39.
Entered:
h=11 m=49
